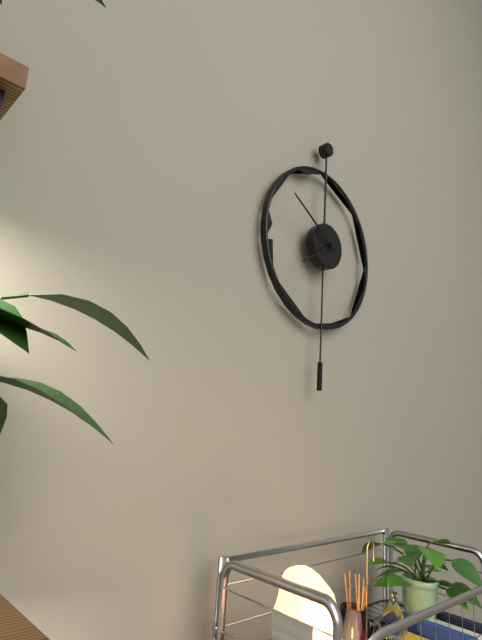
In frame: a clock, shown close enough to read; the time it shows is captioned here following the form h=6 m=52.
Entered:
h=7 m=50
